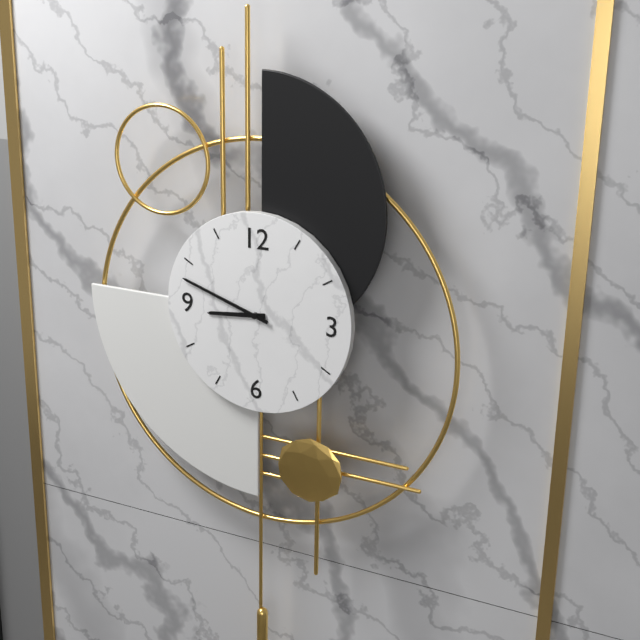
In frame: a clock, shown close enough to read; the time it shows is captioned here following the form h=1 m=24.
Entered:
h=8 m=48
